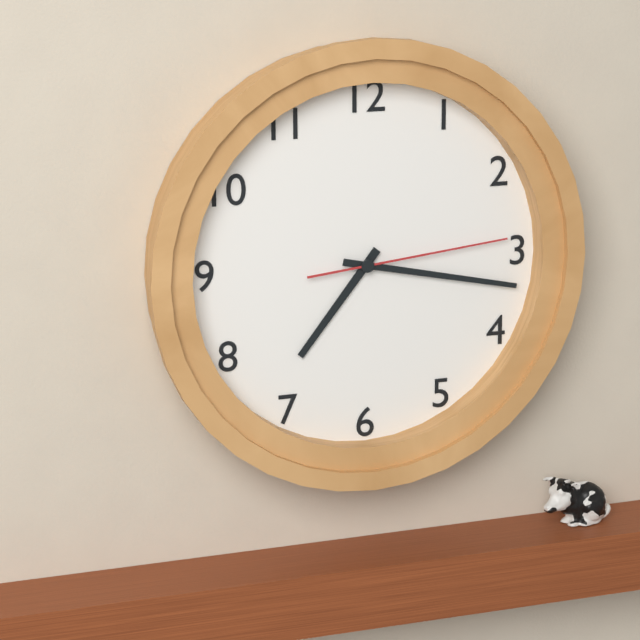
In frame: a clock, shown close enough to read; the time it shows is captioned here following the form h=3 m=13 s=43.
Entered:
h=7 m=17 s=14
